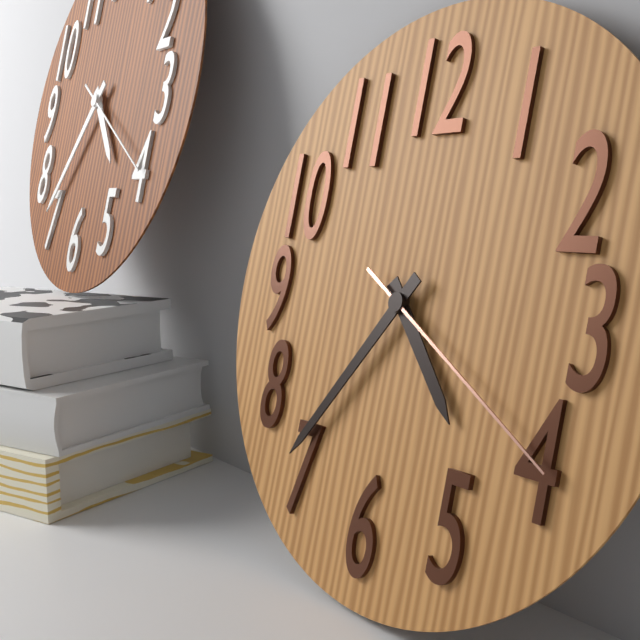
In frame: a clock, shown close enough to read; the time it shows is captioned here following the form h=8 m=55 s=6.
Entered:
h=4 m=36 s=20
